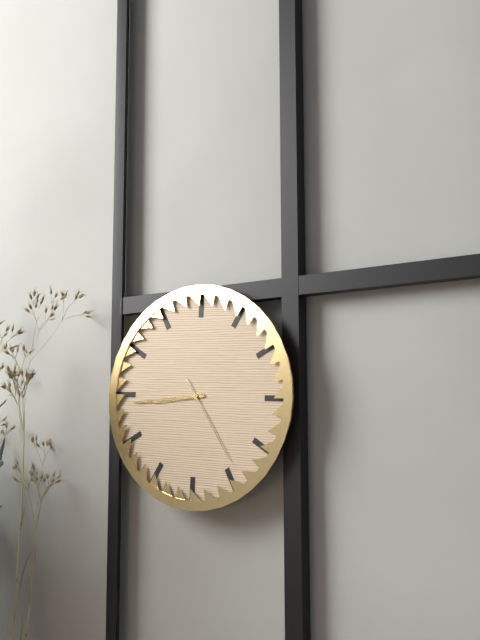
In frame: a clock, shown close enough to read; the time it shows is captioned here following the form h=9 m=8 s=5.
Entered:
h=8 m=44 s=24
